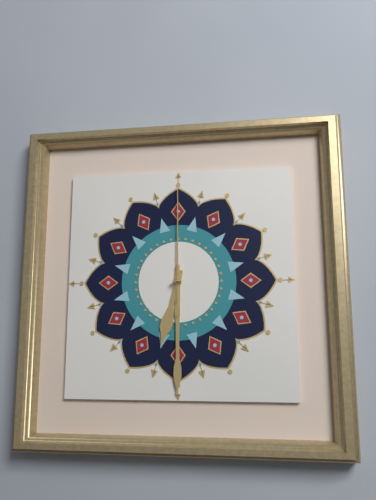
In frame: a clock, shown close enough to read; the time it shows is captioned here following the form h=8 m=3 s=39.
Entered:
h=6 m=30 s=0
